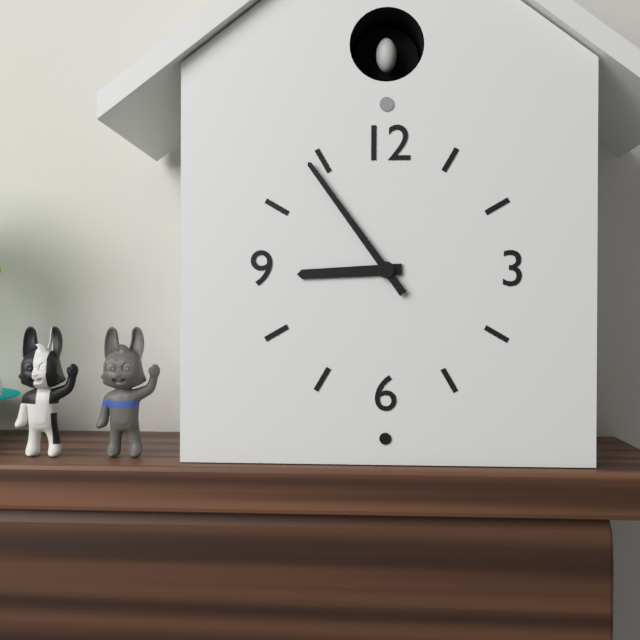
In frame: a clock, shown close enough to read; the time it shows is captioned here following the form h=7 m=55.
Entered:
h=8 m=54
